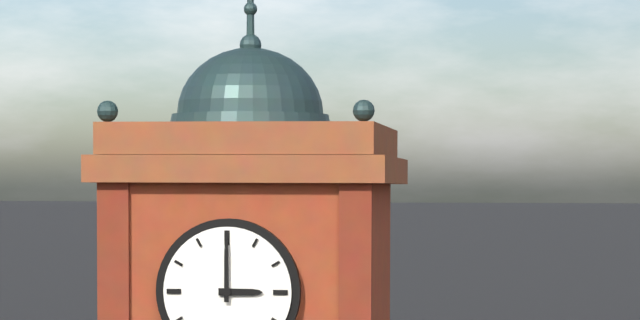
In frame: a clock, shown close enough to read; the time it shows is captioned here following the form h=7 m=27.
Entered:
h=3 m=0
